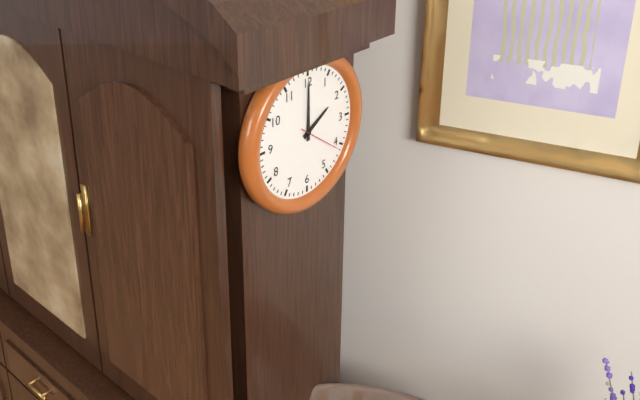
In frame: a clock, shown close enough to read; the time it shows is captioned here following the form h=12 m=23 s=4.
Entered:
h=2 m=0 s=21
